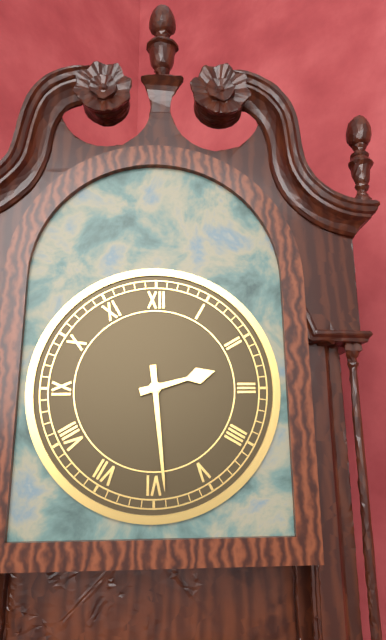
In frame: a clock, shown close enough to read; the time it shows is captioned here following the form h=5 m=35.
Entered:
h=2 m=29
